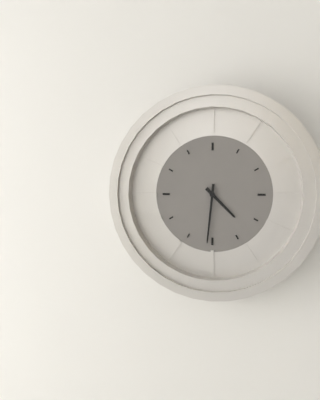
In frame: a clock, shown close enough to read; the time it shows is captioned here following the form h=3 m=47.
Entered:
h=4 m=31
